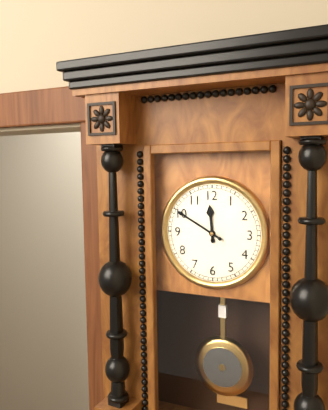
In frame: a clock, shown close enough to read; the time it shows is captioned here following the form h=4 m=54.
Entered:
h=11 m=50
